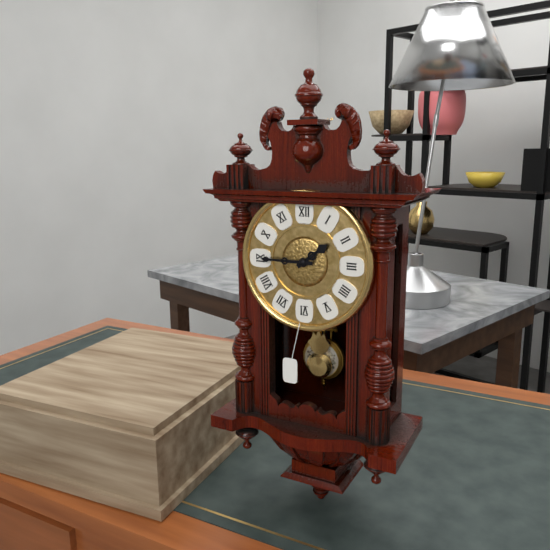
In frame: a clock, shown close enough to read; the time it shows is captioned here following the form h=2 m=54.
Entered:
h=1 m=45
